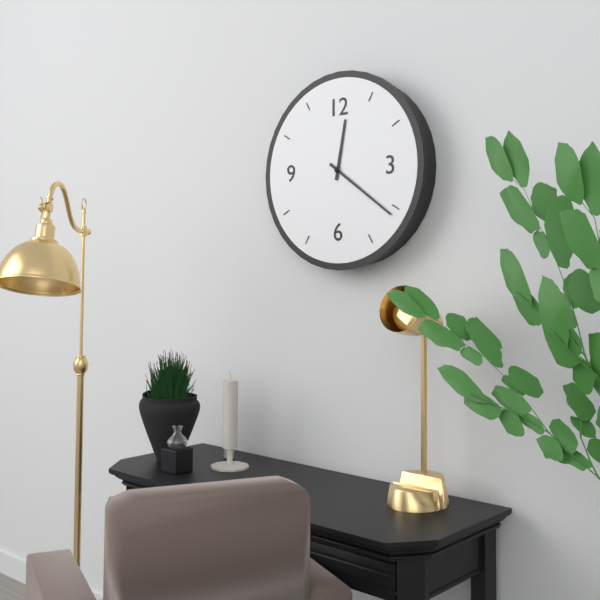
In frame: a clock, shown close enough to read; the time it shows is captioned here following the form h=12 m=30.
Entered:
h=12 m=21
